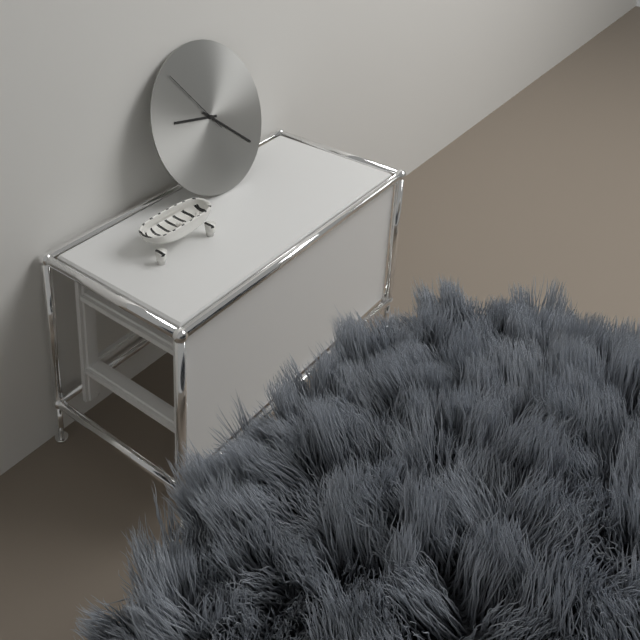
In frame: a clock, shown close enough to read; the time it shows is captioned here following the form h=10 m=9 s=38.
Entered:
h=9 m=22 s=54
